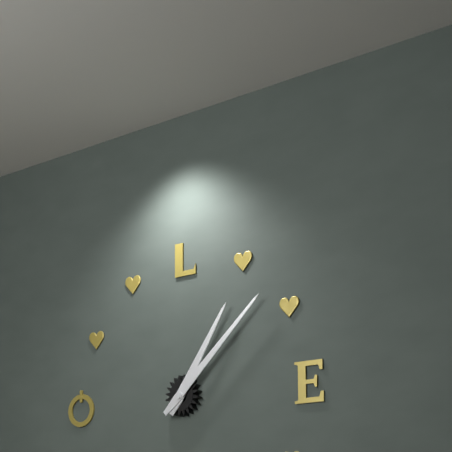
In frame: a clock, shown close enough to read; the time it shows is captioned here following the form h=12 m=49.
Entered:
h=1 m=8
